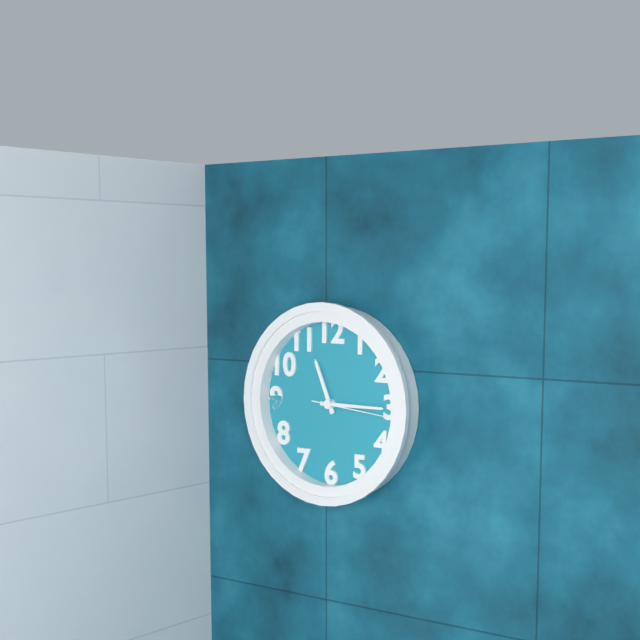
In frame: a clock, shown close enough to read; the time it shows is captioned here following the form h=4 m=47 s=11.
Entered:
h=11 m=15 s=16
